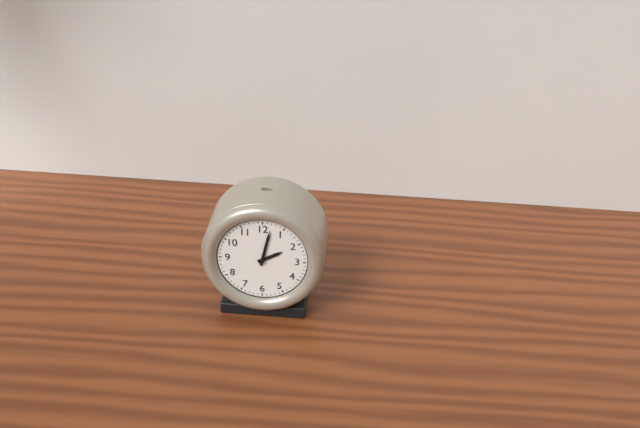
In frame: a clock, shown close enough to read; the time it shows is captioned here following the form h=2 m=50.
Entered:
h=2 m=2
